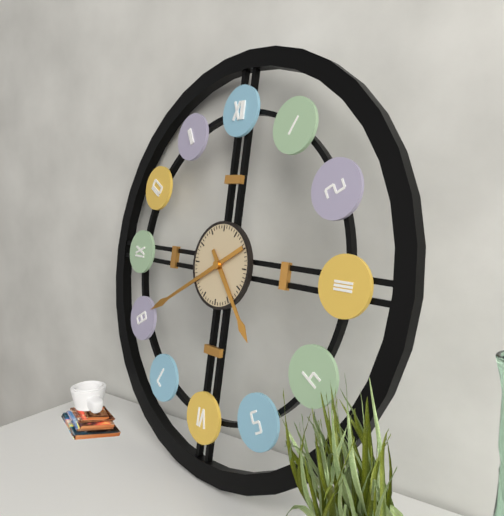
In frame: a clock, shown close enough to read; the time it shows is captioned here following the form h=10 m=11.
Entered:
h=4 m=40
